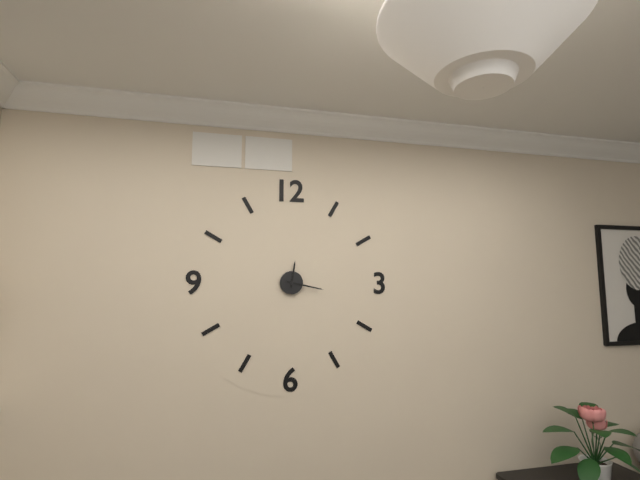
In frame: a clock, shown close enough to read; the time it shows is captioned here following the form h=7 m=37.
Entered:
h=12 m=17
